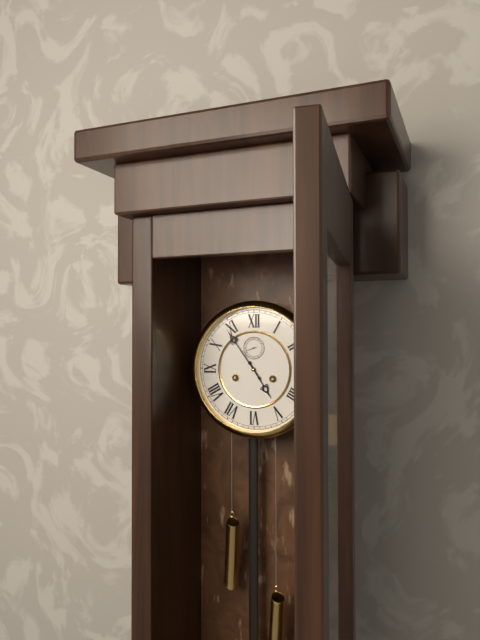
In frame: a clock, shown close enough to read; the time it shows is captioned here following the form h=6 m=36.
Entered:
h=4 m=54
